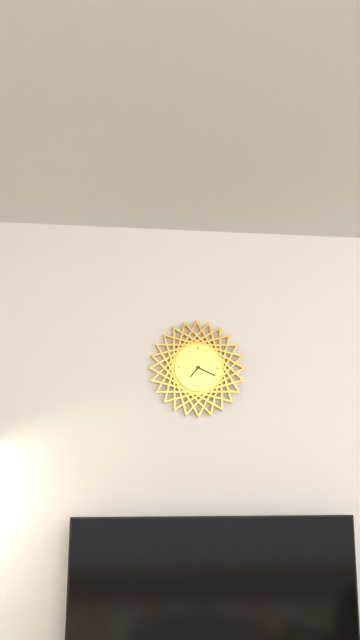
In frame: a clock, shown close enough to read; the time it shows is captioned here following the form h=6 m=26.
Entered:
h=7 m=19
